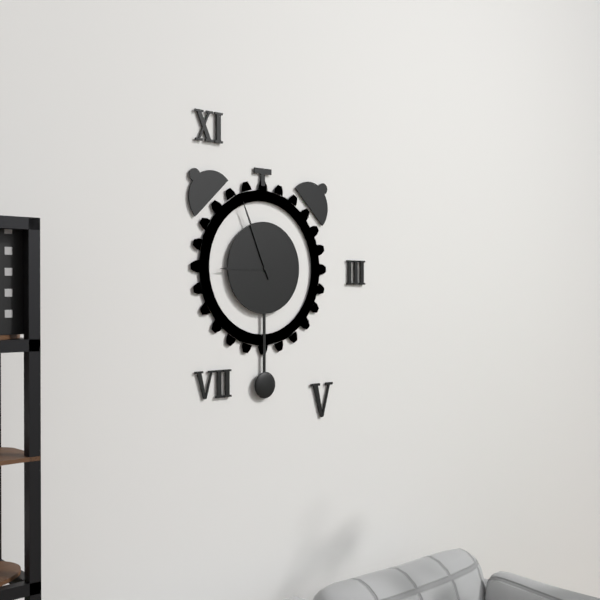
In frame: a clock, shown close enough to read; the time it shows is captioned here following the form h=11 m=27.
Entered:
h=8 m=56
